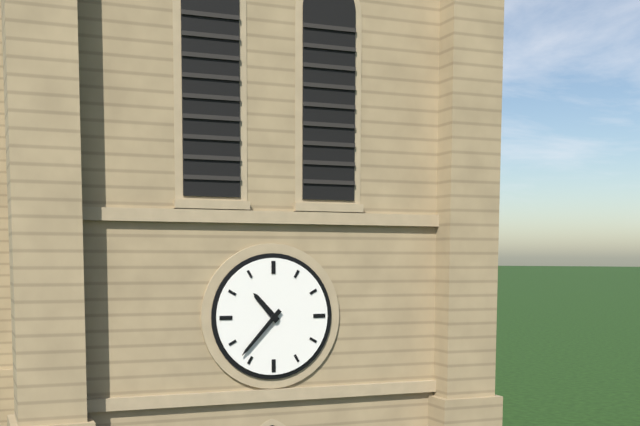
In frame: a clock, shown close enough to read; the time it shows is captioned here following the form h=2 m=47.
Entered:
h=10 m=37
